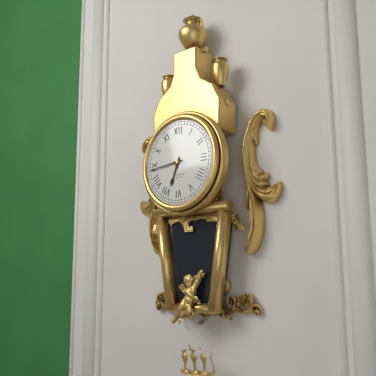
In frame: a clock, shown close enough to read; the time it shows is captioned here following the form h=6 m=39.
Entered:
h=6 m=44
